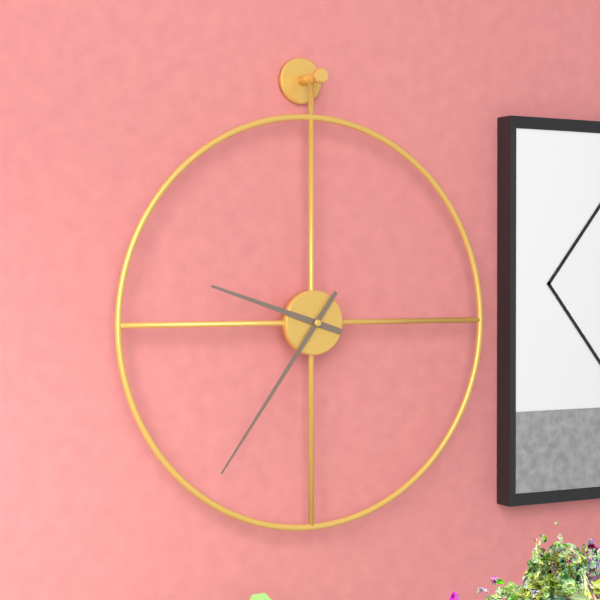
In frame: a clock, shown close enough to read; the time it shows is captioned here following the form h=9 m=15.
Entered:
h=9 m=36
